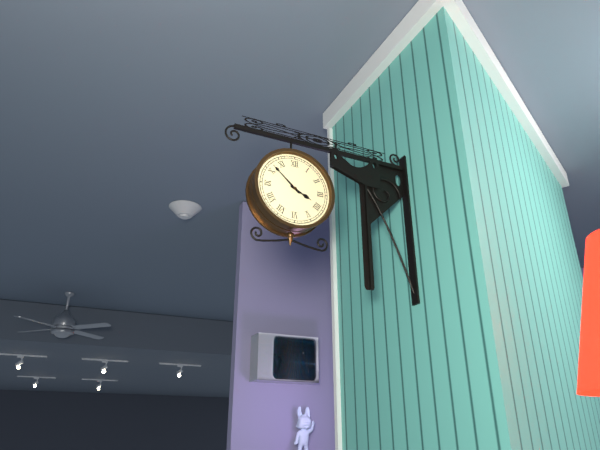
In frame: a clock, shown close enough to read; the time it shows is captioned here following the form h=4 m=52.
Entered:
h=3 m=52
